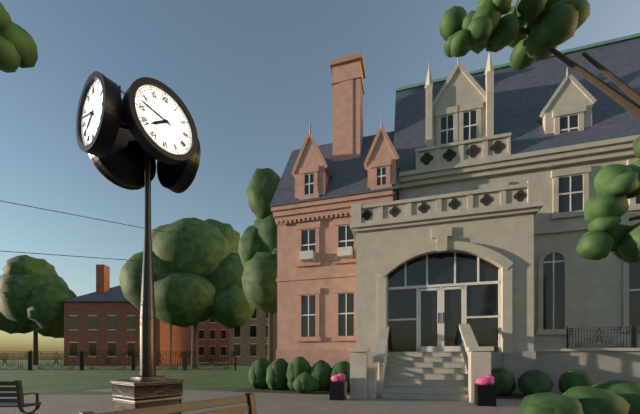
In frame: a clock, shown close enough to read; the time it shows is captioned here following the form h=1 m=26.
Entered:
h=7 m=47
